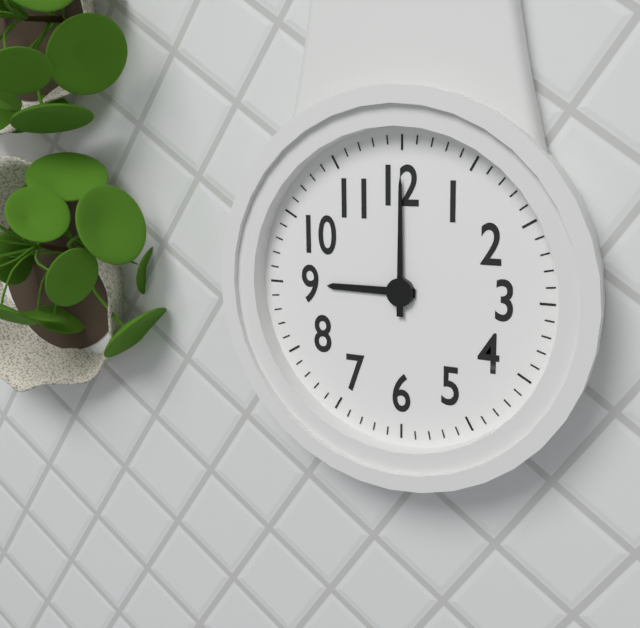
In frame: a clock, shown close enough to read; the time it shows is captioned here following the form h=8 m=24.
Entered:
h=9 m=0
